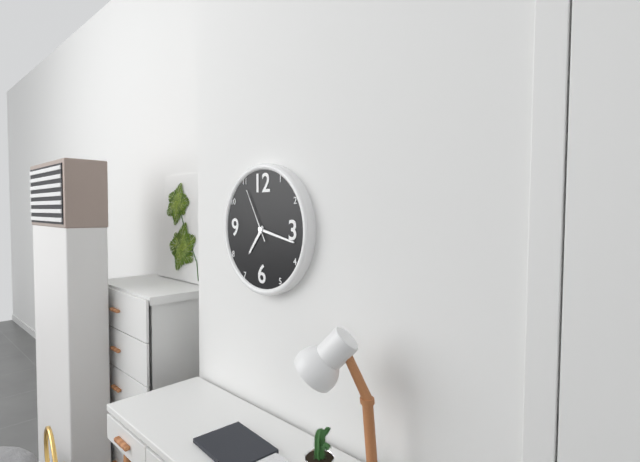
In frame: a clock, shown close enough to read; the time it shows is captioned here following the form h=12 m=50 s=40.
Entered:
h=7 m=17 s=55
